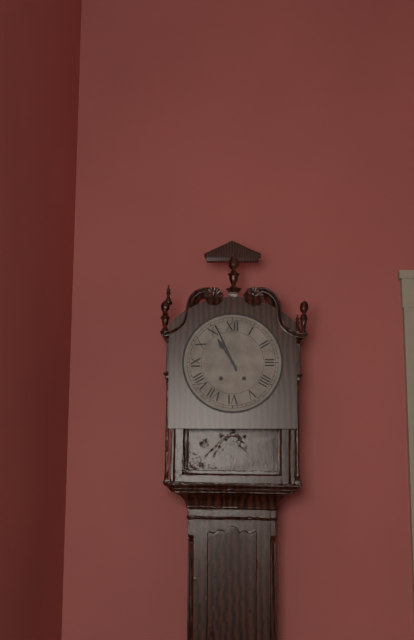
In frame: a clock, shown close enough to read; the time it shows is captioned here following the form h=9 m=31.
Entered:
h=10 m=56
